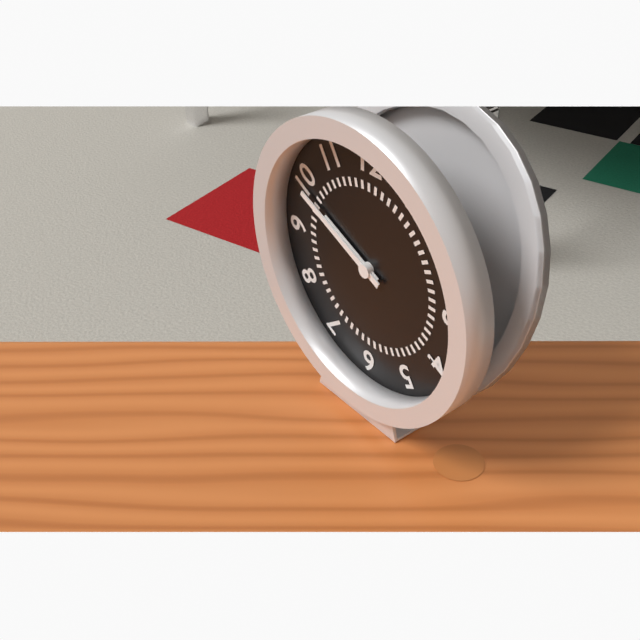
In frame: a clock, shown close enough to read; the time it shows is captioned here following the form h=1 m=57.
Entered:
h=9 m=49
